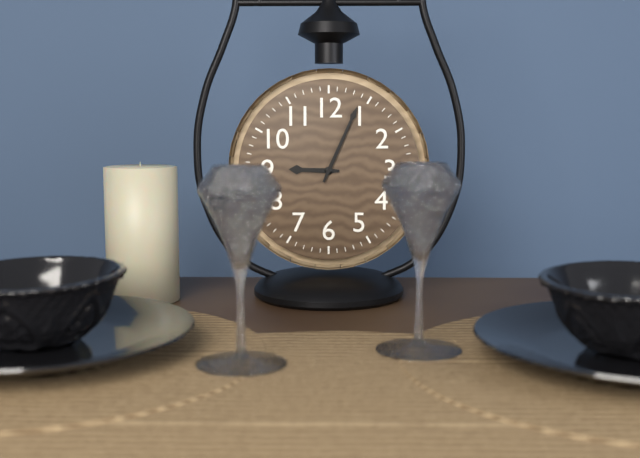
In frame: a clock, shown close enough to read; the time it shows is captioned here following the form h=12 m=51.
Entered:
h=9 m=4
